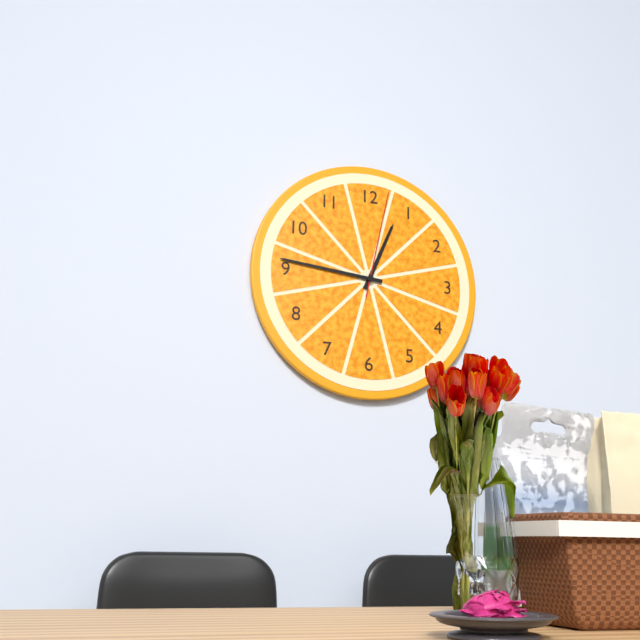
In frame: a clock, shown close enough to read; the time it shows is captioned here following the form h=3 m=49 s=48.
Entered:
h=12 m=46 s=2
